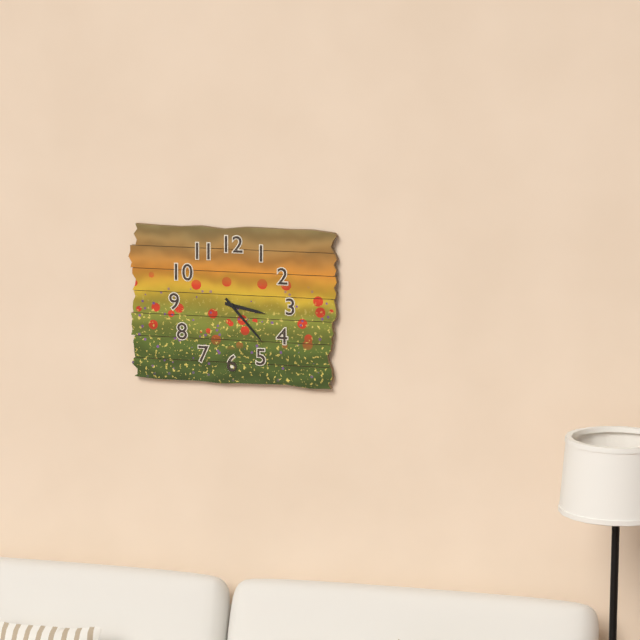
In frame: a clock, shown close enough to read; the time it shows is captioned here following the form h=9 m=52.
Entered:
h=3 m=23
